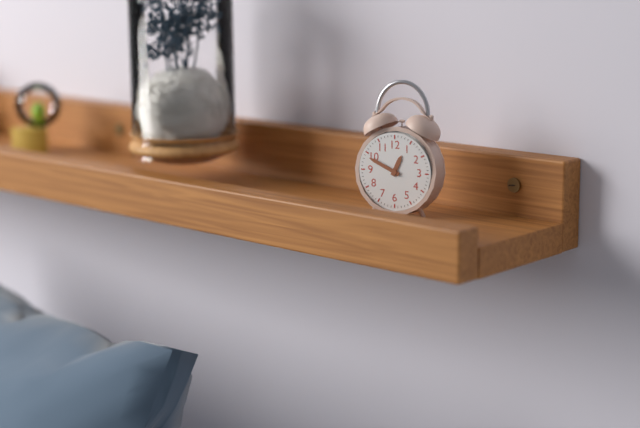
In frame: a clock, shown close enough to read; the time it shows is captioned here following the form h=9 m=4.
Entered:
h=12 m=49
